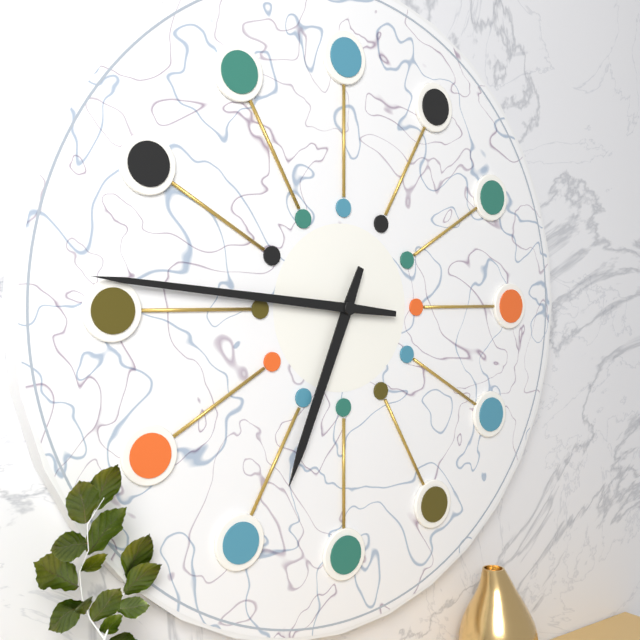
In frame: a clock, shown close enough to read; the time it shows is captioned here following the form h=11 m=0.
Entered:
h=6 m=46
